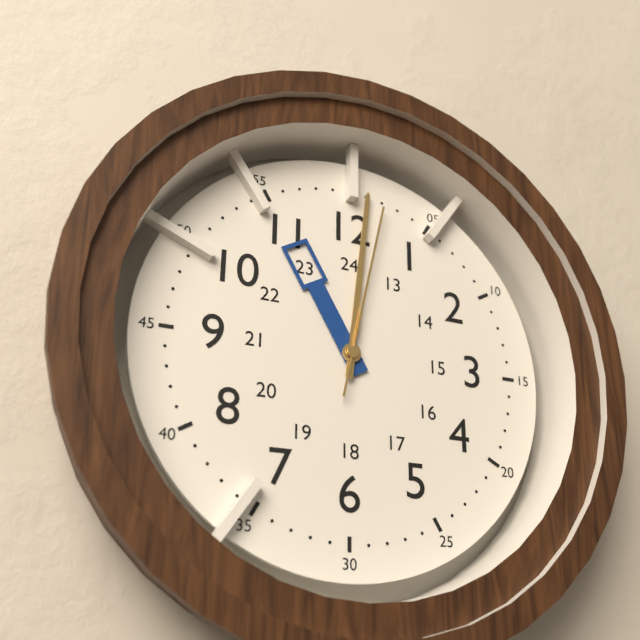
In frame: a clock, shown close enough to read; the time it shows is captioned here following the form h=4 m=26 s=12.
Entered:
h=11 m=1 s=2
